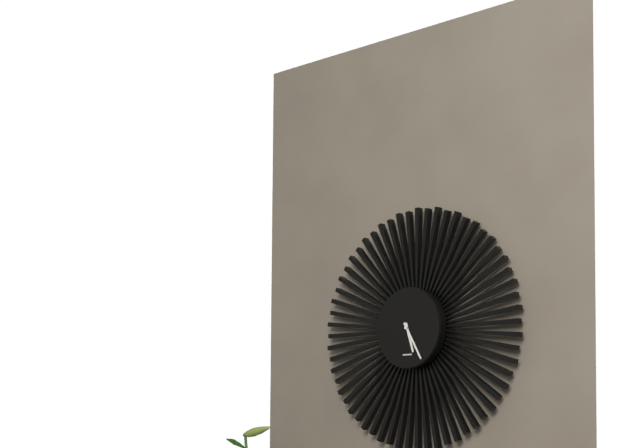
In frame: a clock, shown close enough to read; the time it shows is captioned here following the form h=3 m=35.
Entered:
h=5 m=25
